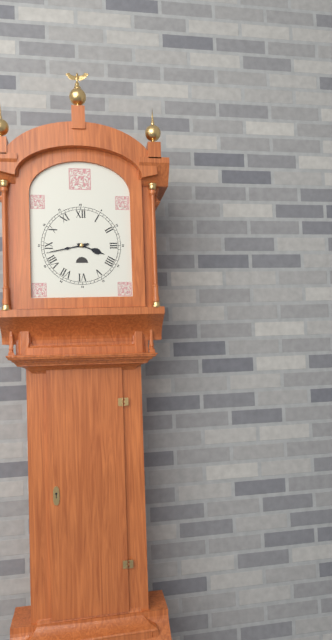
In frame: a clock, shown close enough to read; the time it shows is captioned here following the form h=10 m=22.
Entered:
h=3 m=43
